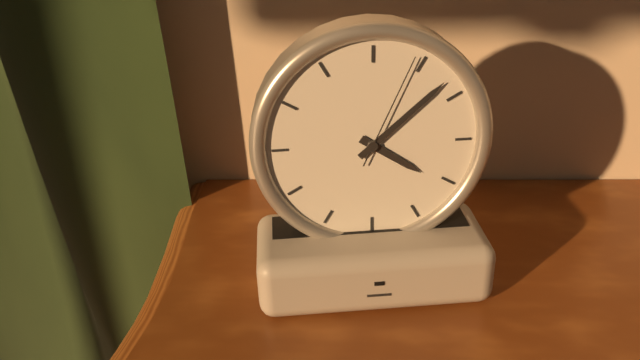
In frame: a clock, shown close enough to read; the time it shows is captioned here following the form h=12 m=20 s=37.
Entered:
h=4 m=8 s=4
